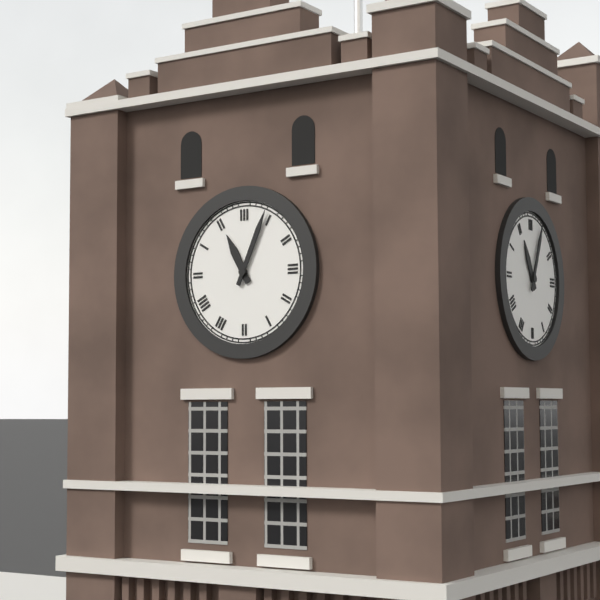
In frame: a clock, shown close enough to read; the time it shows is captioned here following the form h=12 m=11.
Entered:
h=11 m=4
